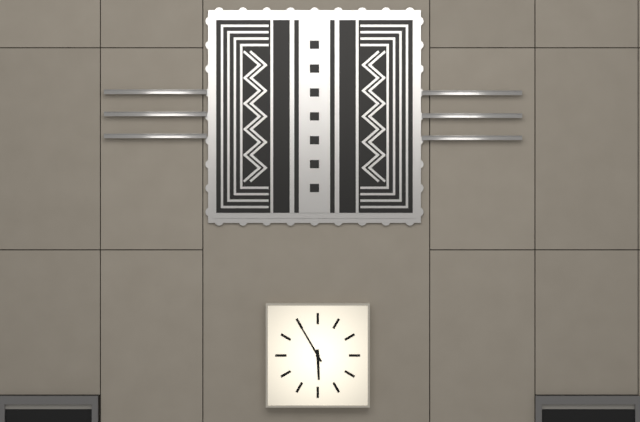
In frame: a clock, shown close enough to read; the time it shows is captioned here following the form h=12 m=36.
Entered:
h=5 m=55
